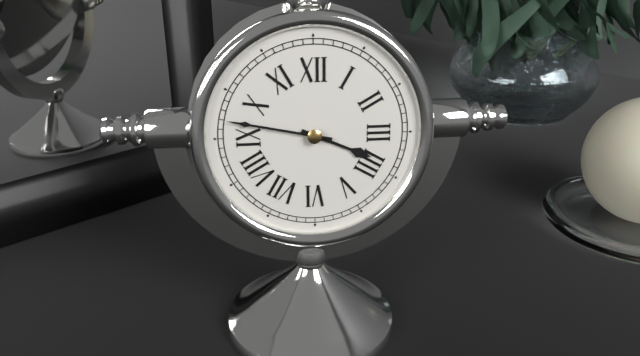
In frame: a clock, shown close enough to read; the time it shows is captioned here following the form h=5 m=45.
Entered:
h=3 m=47
